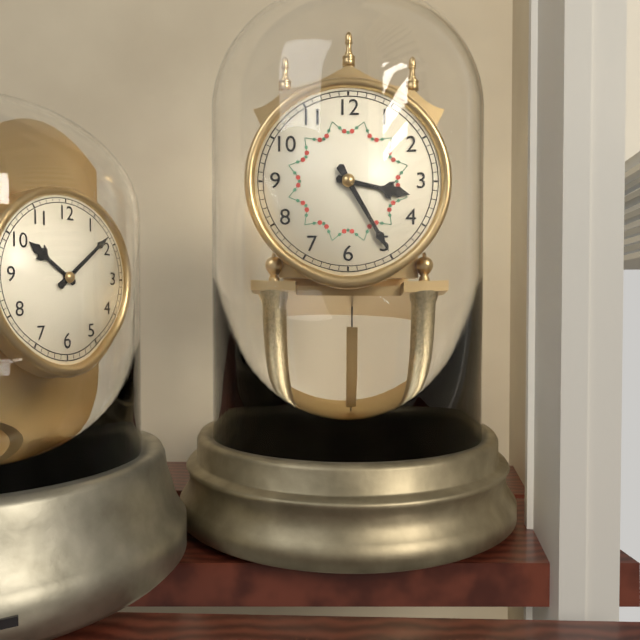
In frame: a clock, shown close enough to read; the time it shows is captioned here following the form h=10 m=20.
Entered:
h=3 m=25
